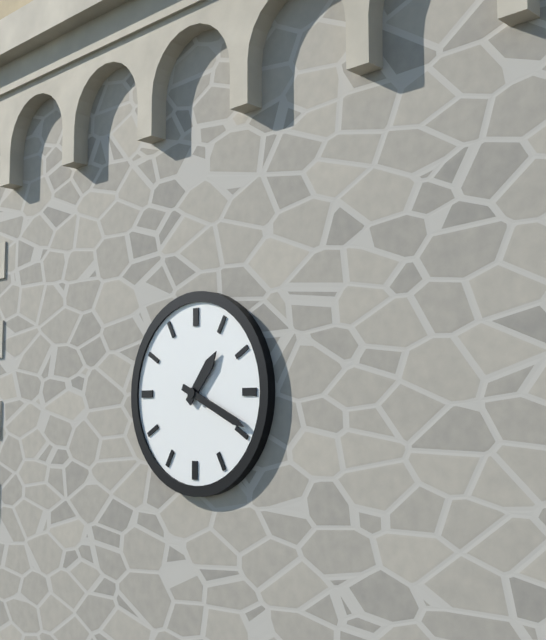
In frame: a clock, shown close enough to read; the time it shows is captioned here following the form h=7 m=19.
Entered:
h=1 m=19
